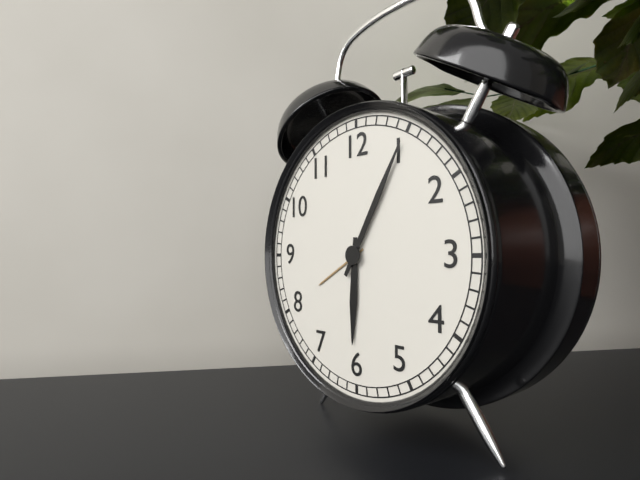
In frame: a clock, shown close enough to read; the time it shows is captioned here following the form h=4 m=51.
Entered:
h=6 m=5
